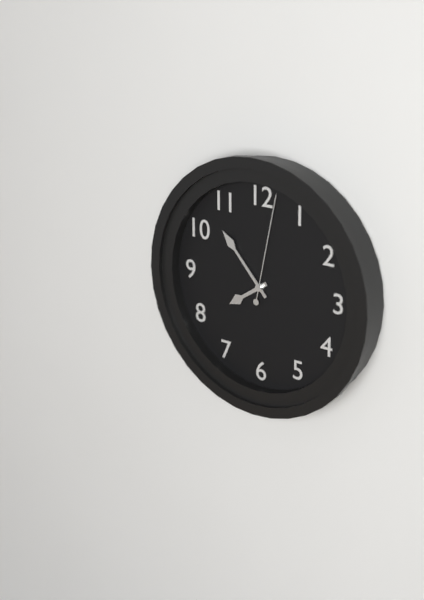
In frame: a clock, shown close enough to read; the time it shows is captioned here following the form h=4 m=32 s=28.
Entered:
h=7 m=53 s=2
